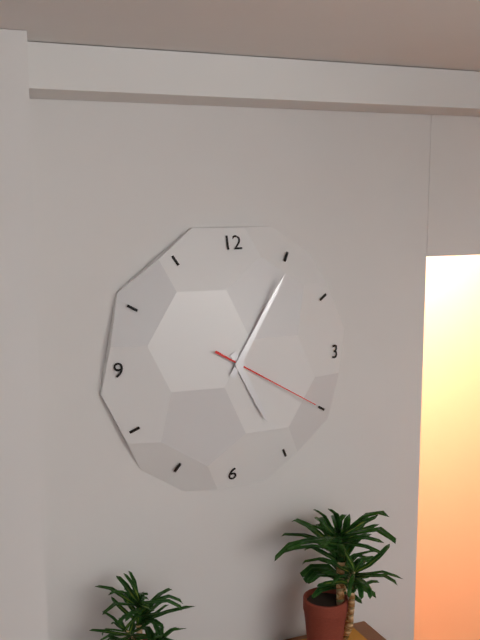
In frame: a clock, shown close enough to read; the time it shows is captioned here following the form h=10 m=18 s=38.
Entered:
h=5 m=5 s=20
